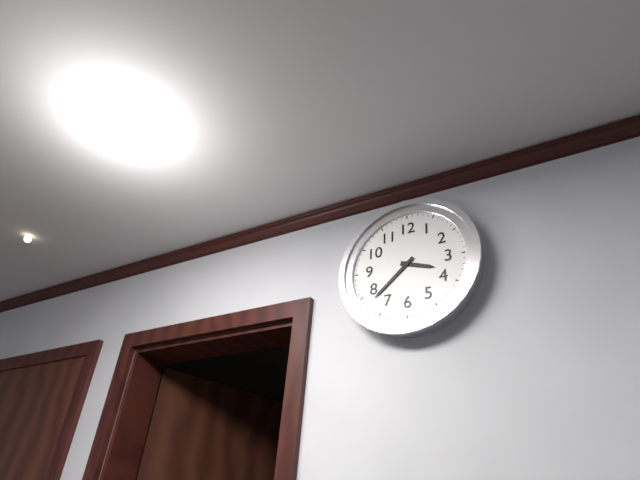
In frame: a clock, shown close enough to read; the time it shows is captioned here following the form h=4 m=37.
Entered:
h=3 m=38
